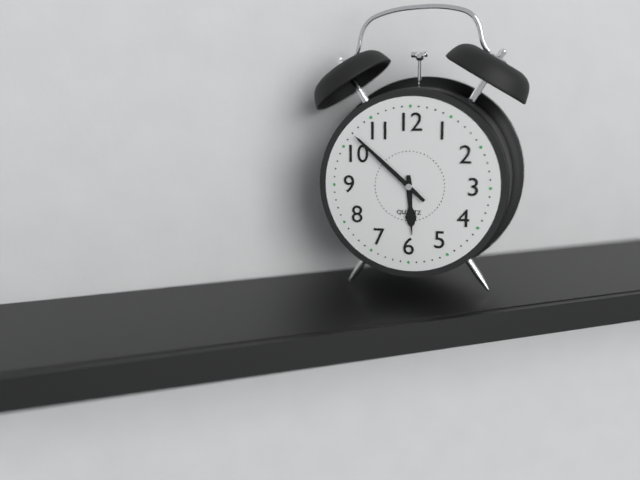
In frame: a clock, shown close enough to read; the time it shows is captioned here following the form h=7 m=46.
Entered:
h=5 m=52
